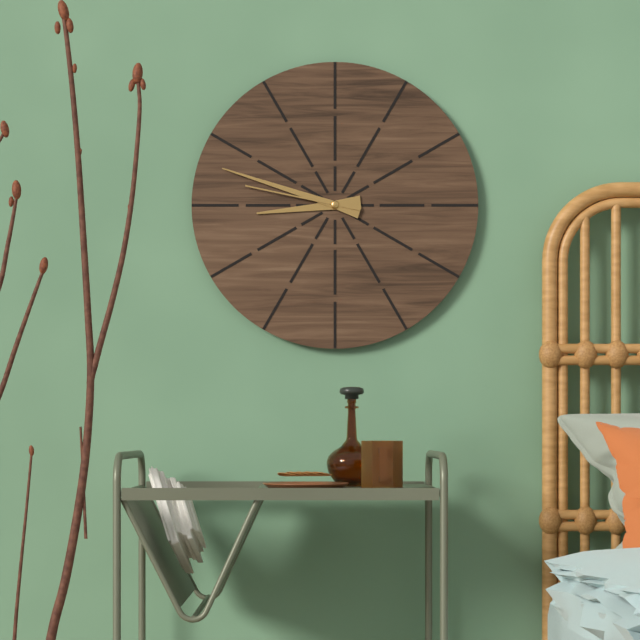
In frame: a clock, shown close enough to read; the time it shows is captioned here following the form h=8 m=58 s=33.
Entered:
h=8 m=48 s=47
